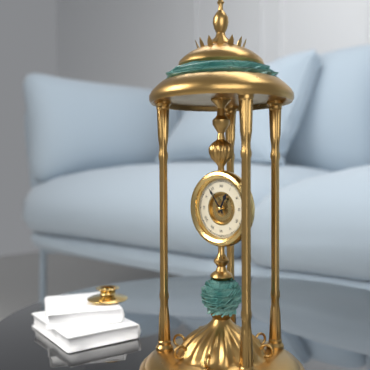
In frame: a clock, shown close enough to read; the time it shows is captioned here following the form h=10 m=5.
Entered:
h=12 m=54
